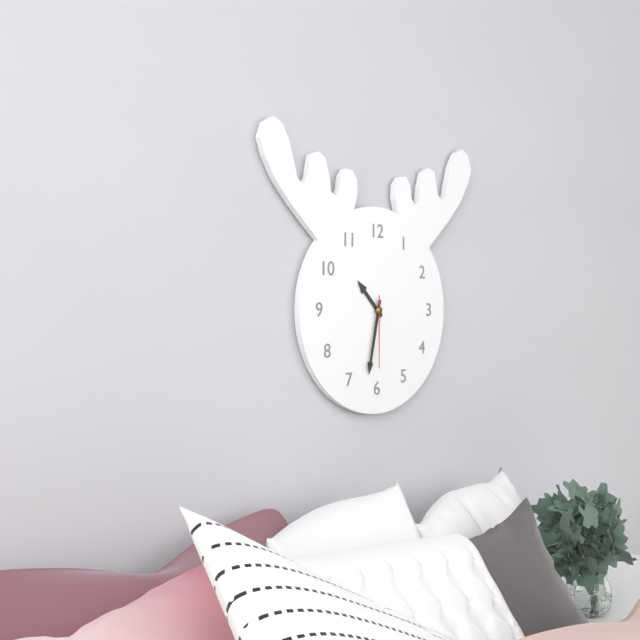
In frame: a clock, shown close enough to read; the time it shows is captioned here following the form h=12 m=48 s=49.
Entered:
h=10 m=32 s=30
